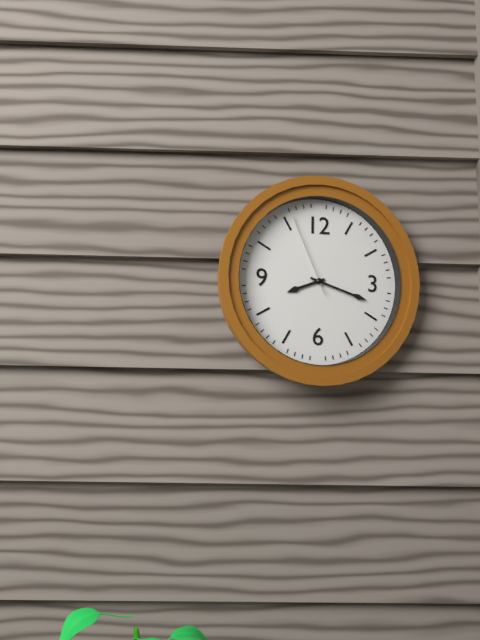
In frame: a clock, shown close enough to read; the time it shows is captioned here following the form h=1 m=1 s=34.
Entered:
h=8 m=18 s=56
